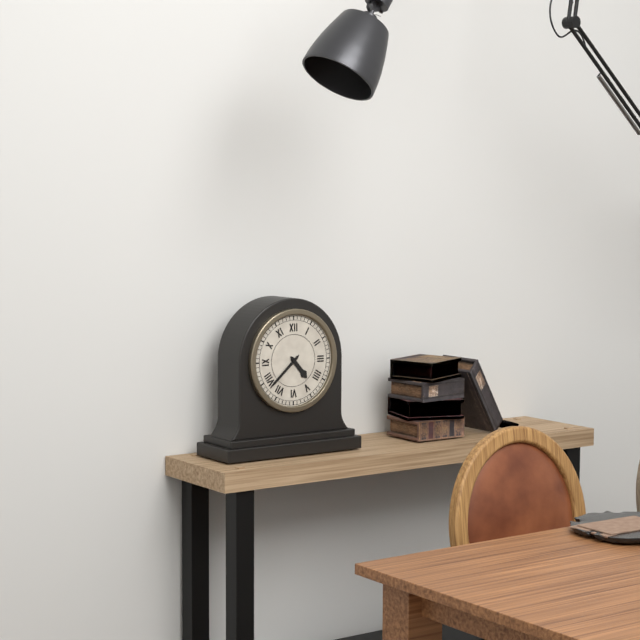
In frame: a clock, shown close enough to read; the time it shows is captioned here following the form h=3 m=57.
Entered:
h=4 m=38
